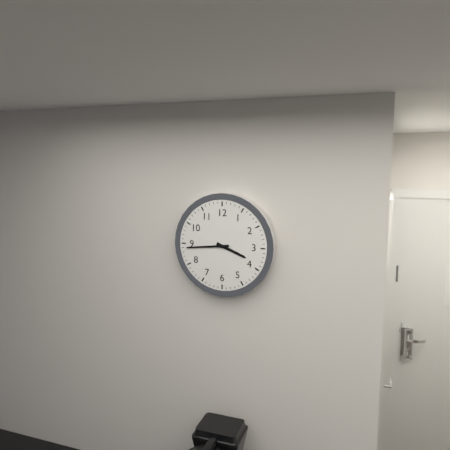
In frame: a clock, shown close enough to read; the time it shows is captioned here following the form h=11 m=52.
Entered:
h=3 m=44
